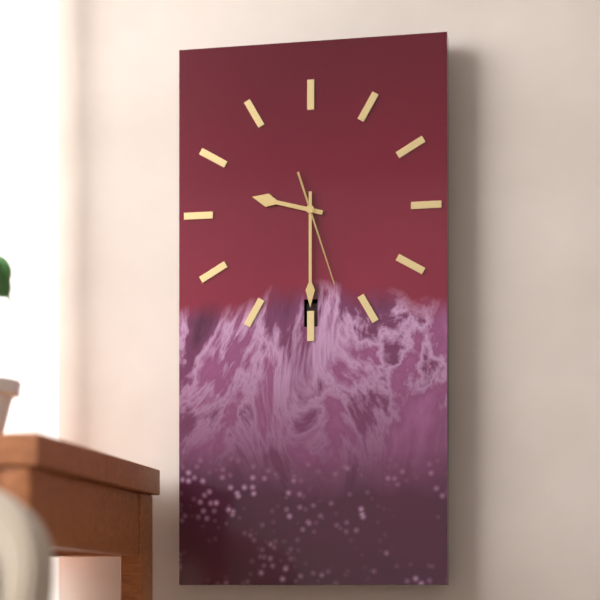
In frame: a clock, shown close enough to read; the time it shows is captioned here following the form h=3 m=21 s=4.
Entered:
h=9 m=30 s=27
